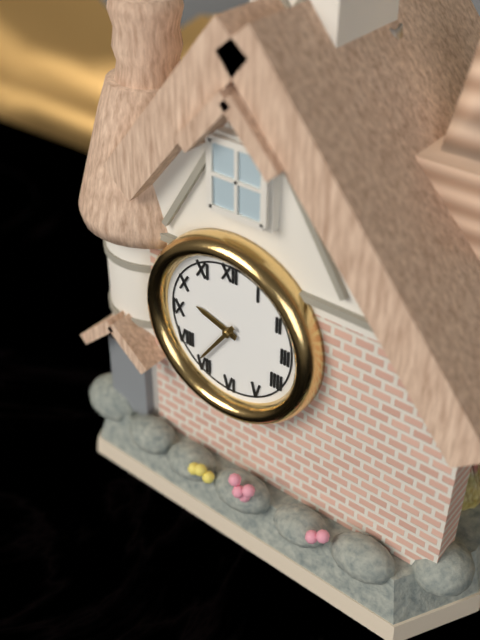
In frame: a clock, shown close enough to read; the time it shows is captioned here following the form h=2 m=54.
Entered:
h=9 m=36
